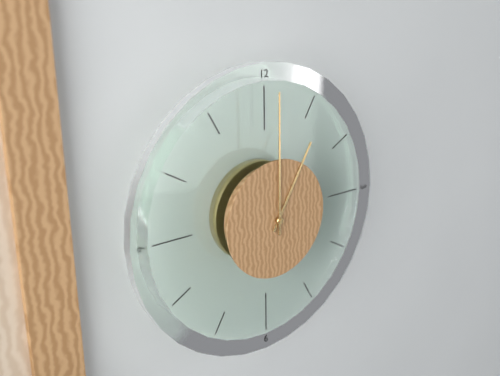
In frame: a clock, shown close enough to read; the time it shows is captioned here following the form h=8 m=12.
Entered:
h=1 m=0
